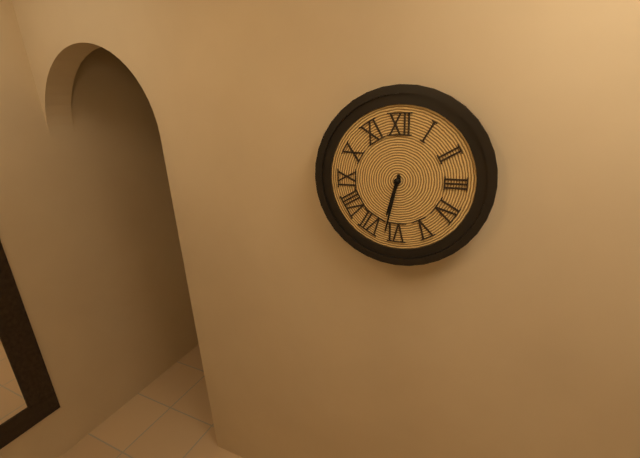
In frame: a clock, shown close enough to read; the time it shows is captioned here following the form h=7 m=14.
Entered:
h=6 m=32
